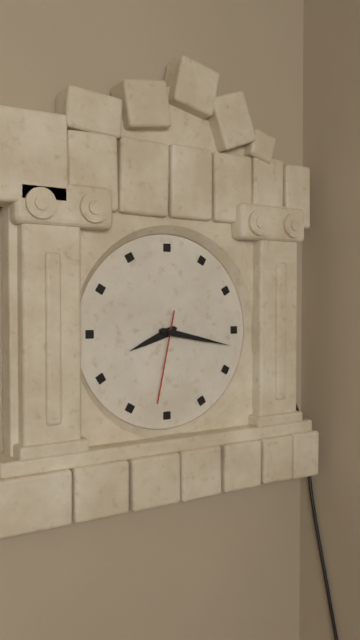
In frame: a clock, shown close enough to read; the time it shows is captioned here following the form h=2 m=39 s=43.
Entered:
h=8 m=17 s=32
